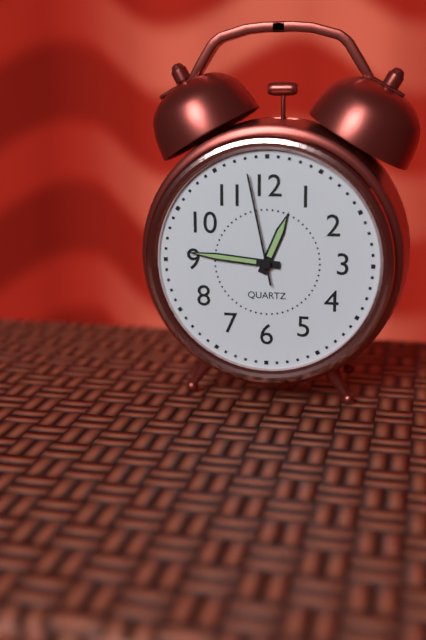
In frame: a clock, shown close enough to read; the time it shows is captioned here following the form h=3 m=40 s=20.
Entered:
h=12 m=46 s=58
